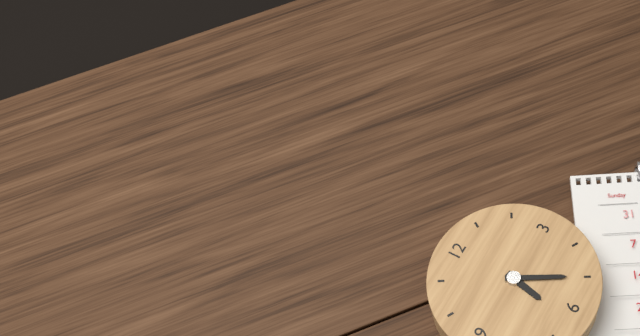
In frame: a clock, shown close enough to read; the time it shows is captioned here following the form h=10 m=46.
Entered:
h=6 m=25
